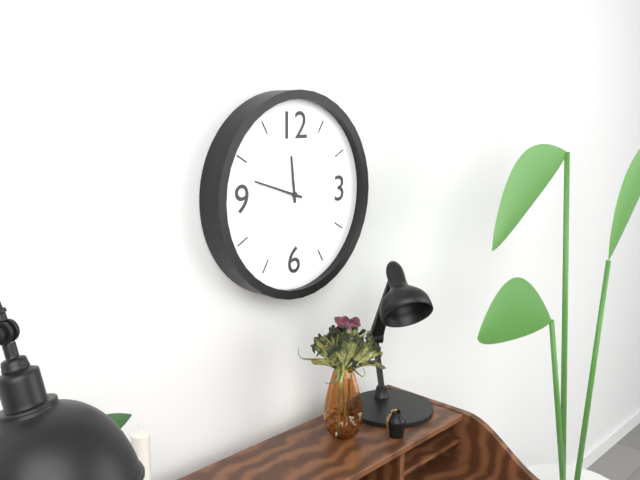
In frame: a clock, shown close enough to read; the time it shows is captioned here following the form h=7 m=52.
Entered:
h=11 m=48
